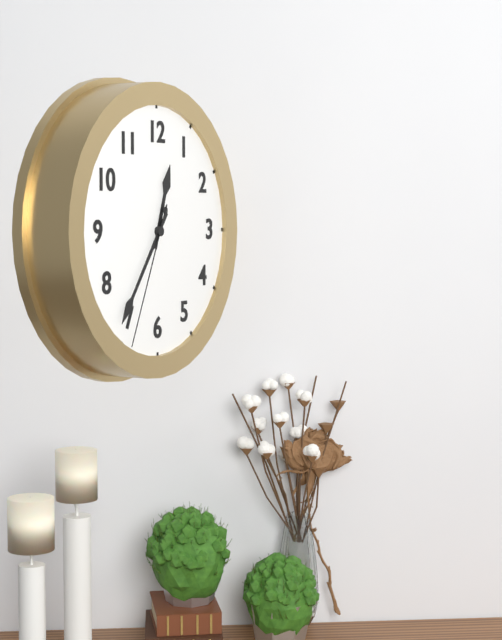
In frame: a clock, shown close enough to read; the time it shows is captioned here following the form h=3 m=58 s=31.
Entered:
h=12 m=36 s=34
